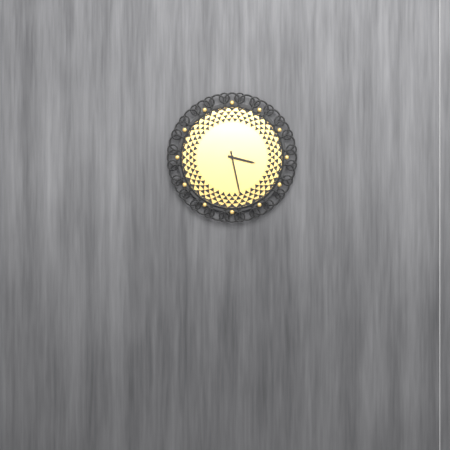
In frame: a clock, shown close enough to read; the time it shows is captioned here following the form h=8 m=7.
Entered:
h=3 m=28
